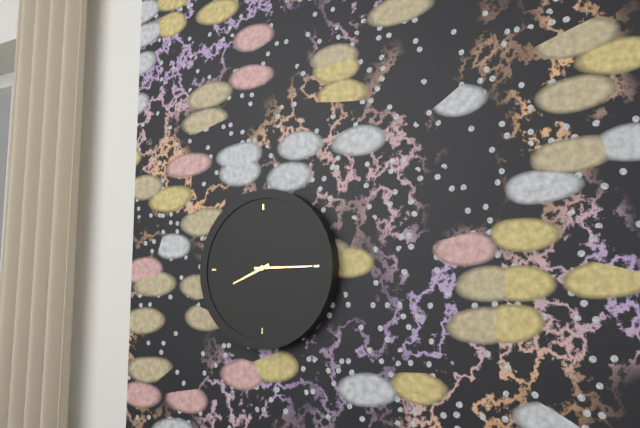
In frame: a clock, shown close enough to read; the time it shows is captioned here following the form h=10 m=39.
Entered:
h=8 m=15
